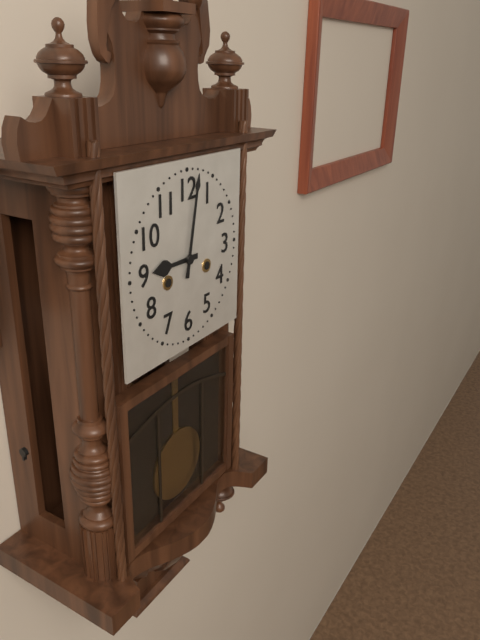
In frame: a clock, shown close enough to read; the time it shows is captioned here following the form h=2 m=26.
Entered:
h=9 m=2
